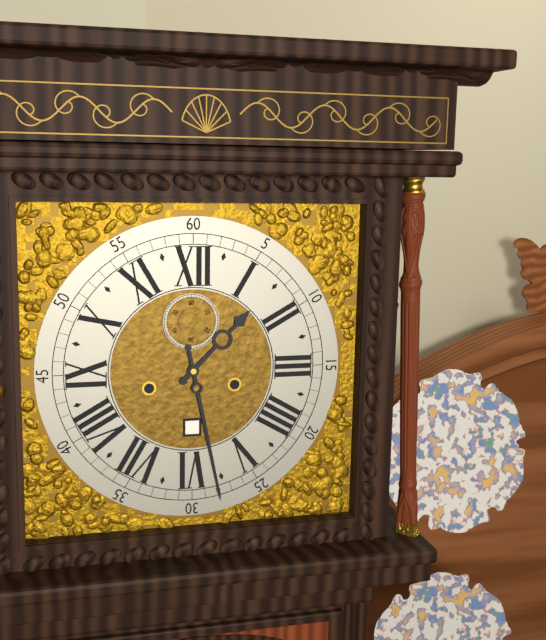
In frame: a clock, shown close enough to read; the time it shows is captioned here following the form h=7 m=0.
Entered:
h=1 m=28
